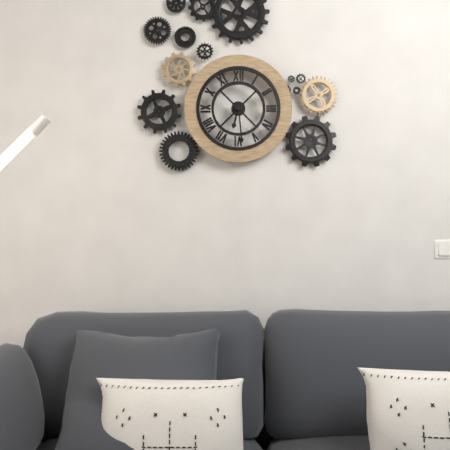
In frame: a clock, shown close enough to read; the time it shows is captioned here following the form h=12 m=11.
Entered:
h=6 m=29
